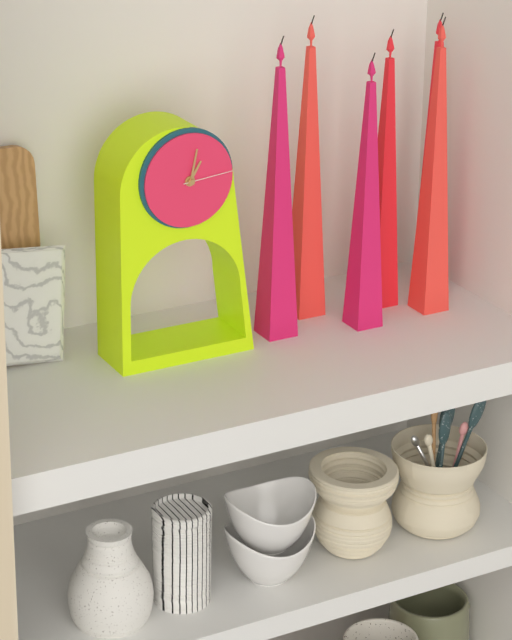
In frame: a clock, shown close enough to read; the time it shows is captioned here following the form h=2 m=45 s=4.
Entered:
h=1 m=2 s=14
